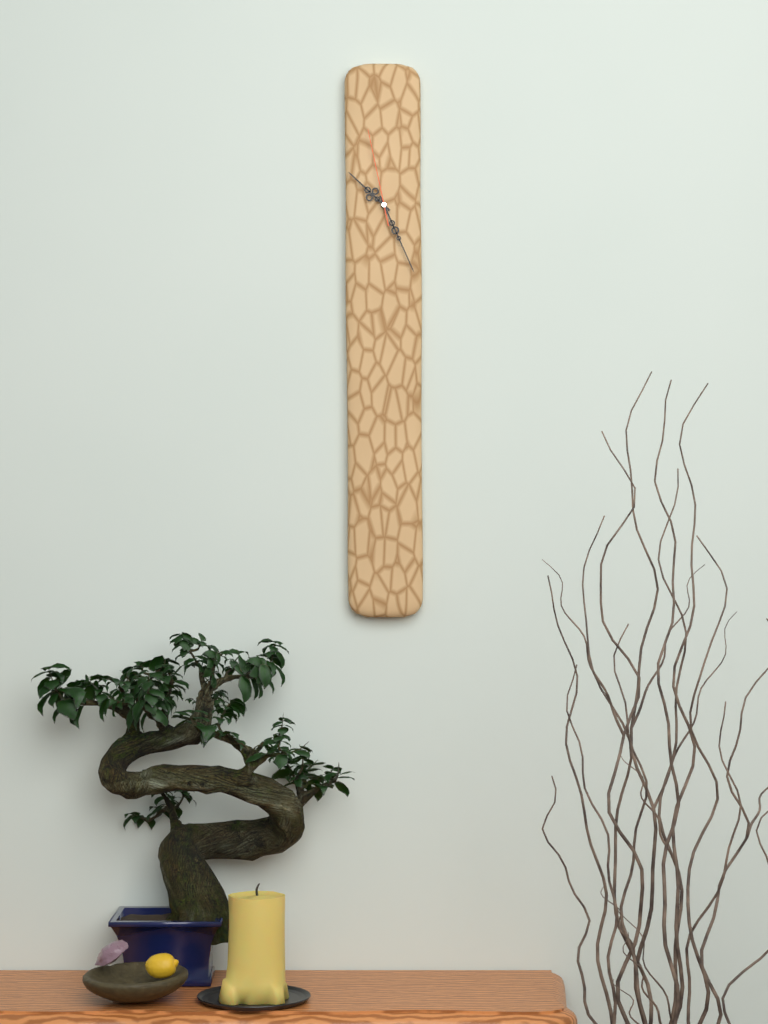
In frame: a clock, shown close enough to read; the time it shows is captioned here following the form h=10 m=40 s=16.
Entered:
h=10 m=26 s=58
